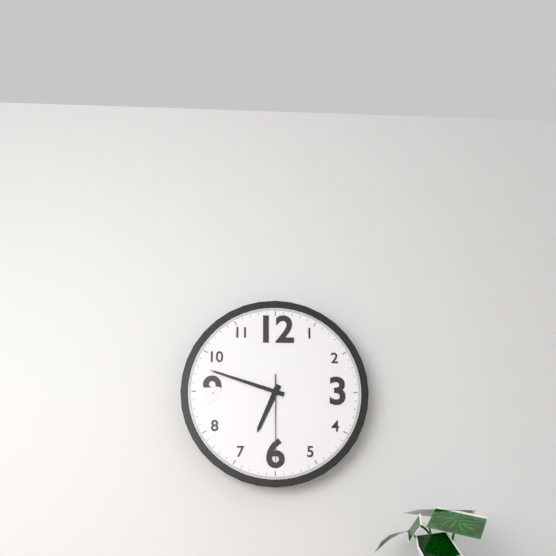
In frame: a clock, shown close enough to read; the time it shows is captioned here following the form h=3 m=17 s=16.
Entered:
h=6 m=48 s=30
